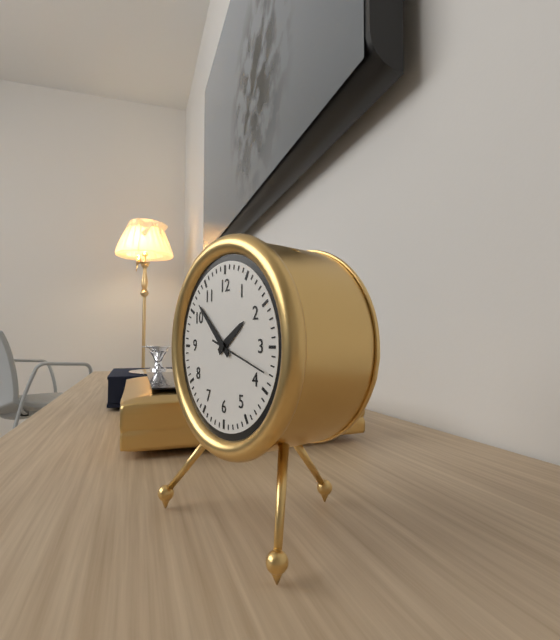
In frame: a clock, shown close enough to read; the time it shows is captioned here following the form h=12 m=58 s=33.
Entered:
h=1 m=52 s=18
